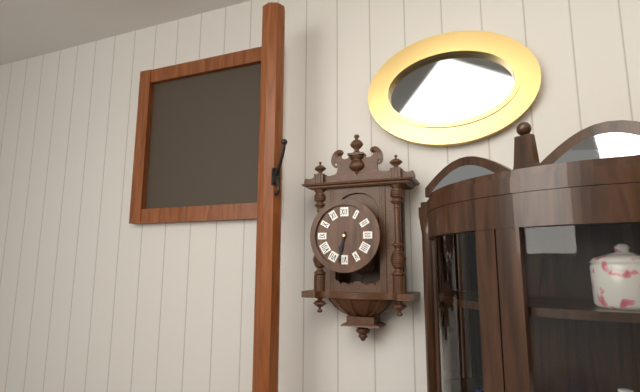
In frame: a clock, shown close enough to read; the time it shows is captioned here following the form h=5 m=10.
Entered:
h=6 m=32
